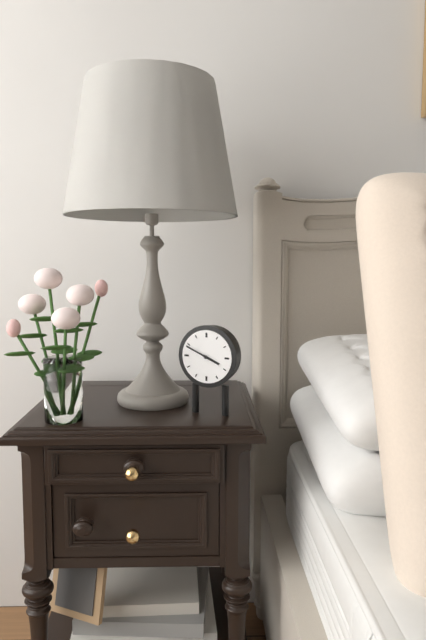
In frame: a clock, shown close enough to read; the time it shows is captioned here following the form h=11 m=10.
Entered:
h=3 m=49
